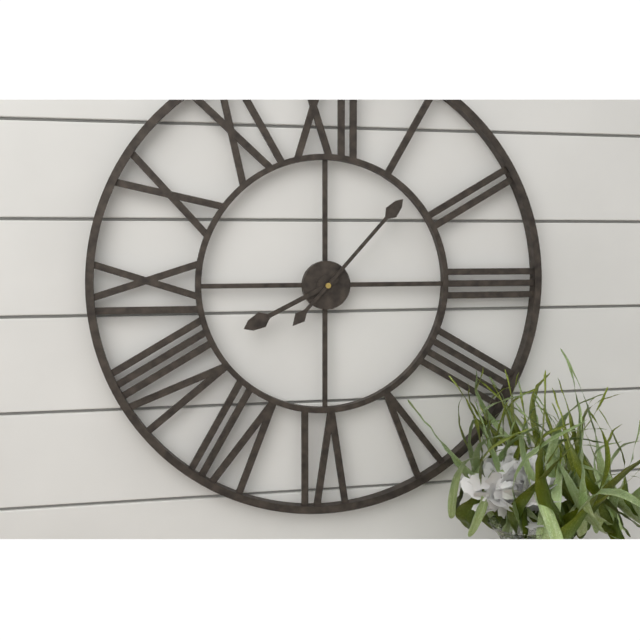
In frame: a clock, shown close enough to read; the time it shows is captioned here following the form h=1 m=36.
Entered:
h=8 m=7
